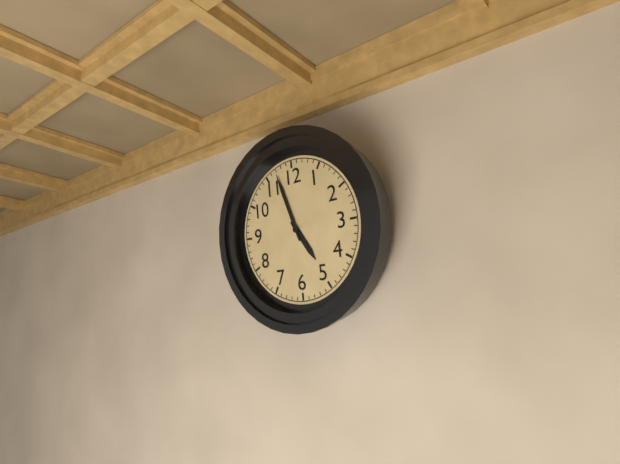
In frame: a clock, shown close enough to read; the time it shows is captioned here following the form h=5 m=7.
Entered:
h=4 m=57
